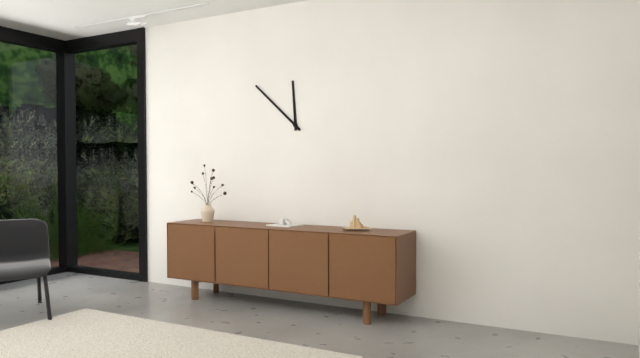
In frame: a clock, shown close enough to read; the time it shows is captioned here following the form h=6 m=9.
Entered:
h=11 m=52
